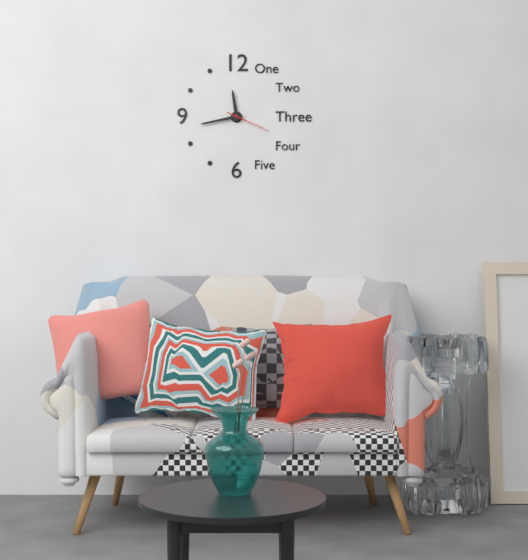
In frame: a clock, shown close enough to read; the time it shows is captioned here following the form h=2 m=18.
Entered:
h=11 m=43
